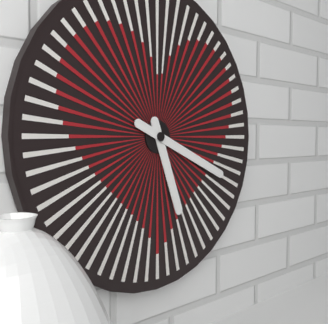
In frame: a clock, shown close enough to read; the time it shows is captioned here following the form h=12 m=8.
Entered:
h=5 m=19
